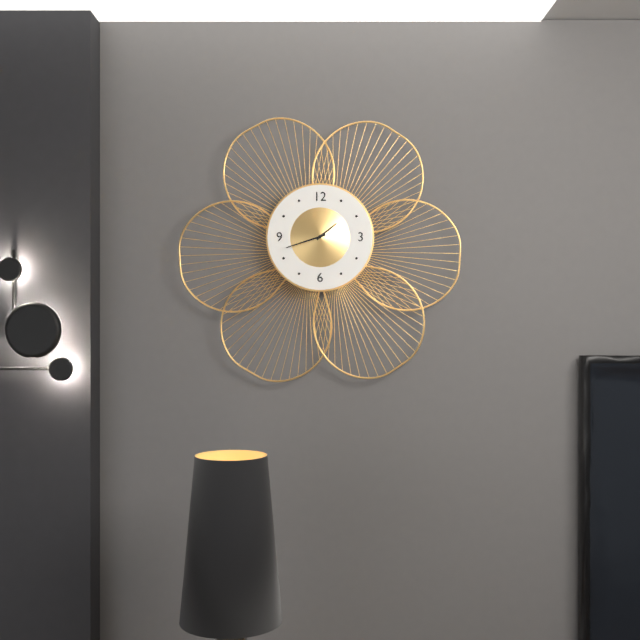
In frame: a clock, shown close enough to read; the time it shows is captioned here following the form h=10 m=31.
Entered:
h=1 m=42
